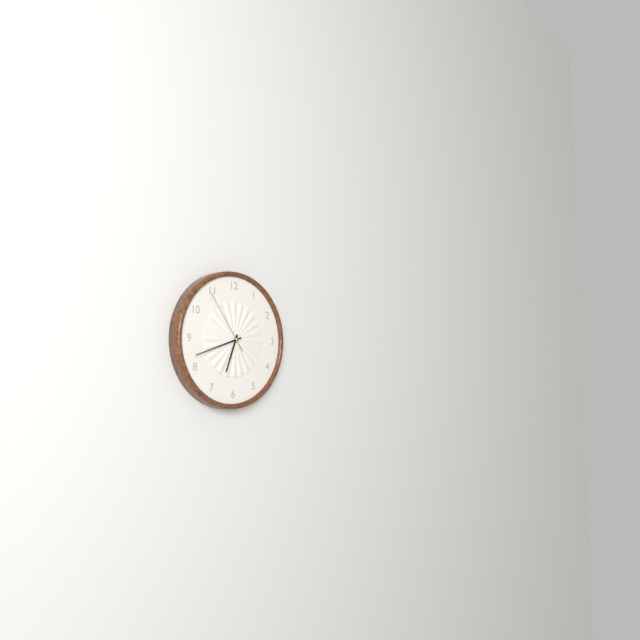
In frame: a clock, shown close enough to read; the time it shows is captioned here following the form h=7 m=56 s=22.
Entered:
h=6 m=42 s=54
